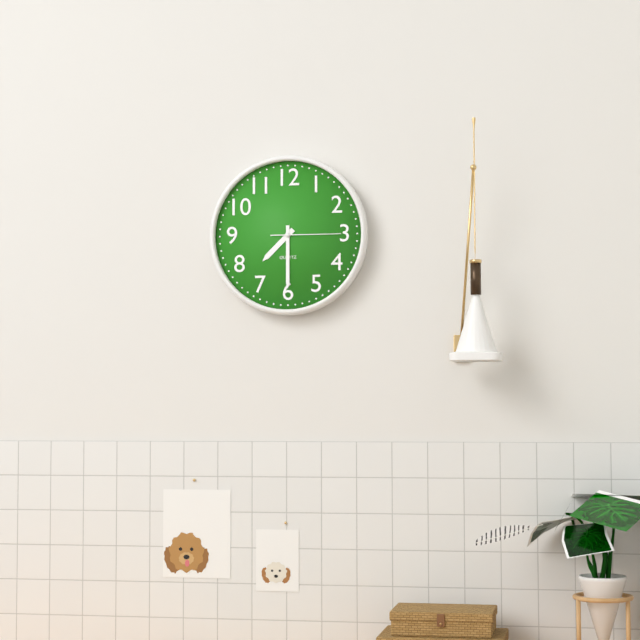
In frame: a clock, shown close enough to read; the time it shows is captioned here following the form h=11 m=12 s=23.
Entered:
h=7 m=30 s=15
